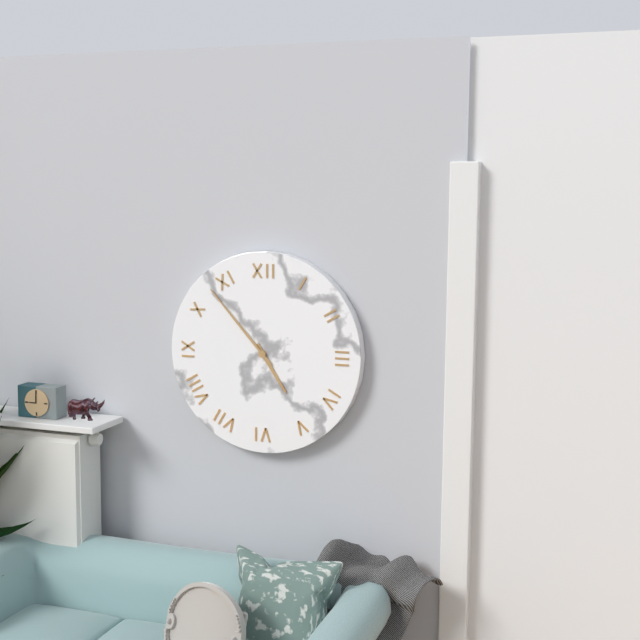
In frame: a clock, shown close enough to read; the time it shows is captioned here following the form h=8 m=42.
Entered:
h=4 m=53
